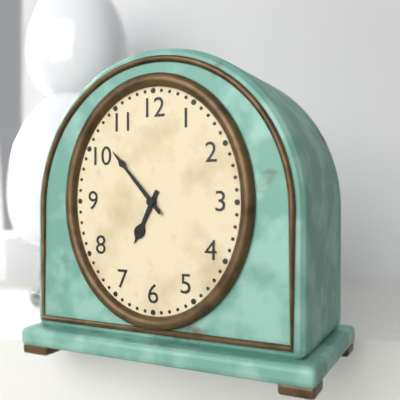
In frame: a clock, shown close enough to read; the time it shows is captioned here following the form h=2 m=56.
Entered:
h=6 m=53
